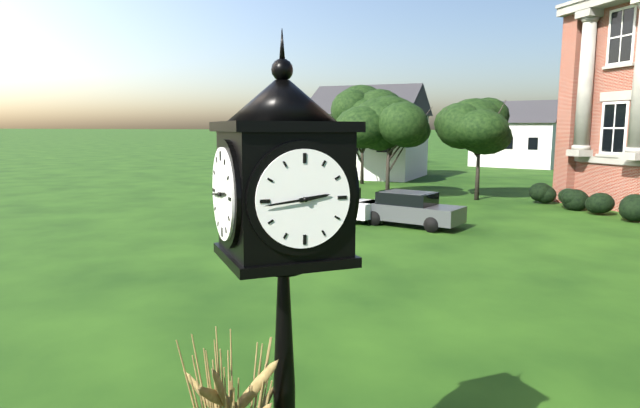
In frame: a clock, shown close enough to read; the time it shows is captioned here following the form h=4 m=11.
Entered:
h=2 m=44
